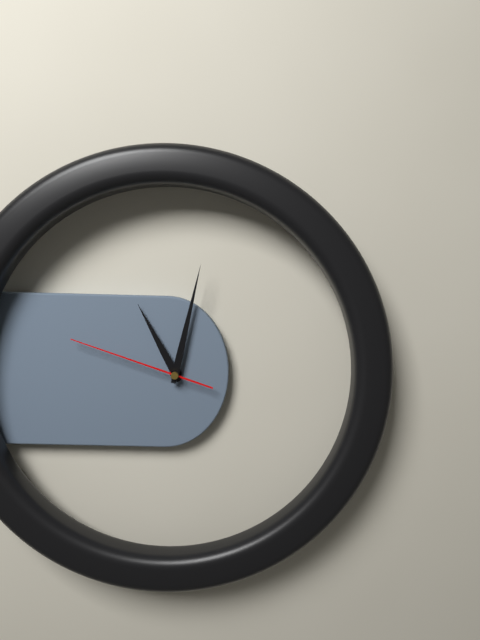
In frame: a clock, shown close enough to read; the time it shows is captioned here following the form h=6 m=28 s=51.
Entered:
h=11 m=2 s=48
